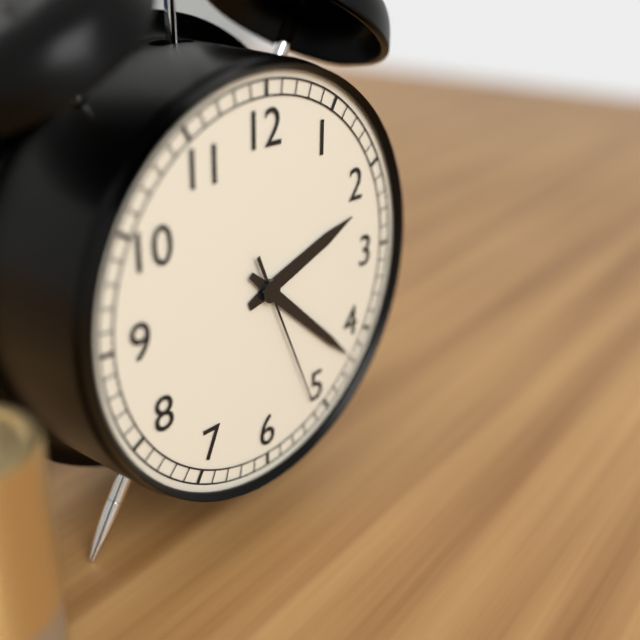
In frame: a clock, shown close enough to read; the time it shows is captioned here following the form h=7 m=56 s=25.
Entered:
h=2 m=22 s=26
